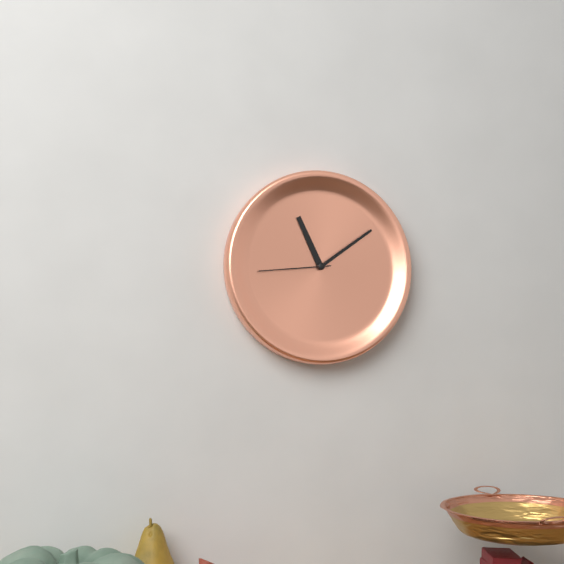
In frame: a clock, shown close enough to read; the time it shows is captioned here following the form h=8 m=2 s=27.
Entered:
h=11 m=9 s=44
